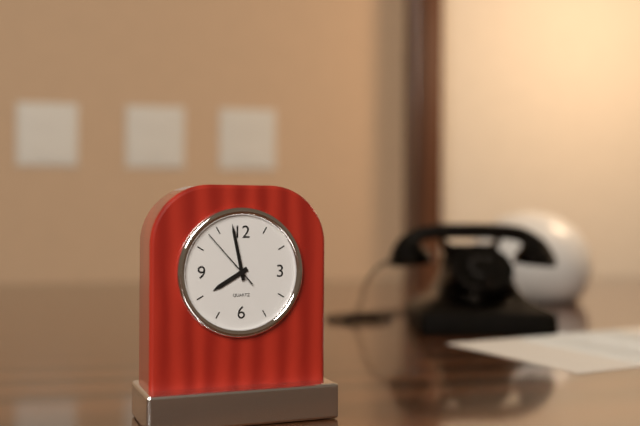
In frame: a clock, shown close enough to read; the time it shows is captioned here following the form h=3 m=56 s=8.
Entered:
h=7 m=58 s=53
